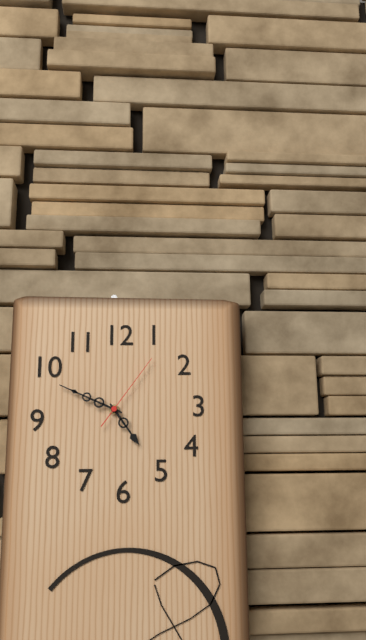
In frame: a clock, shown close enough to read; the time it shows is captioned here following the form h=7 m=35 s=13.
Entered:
h=4 m=49 s=6
